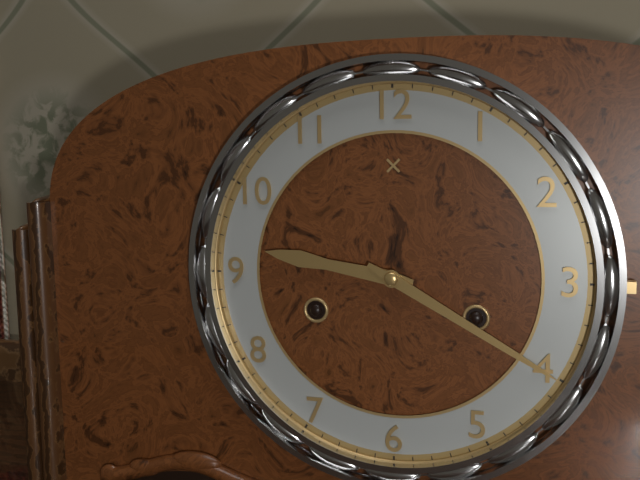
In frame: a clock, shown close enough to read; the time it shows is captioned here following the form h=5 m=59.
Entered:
h=9 m=20
